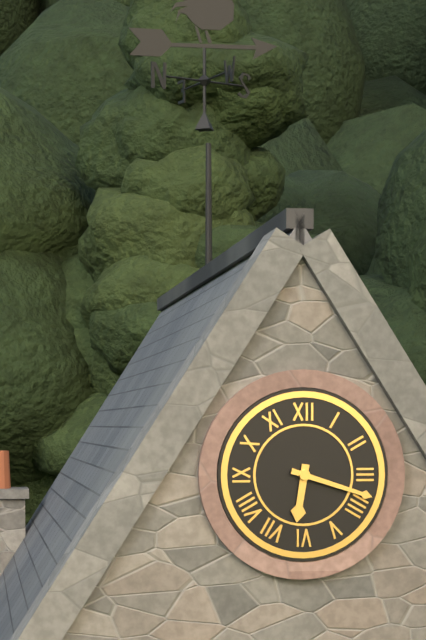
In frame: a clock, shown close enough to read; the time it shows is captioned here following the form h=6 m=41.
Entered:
h=6 m=18
